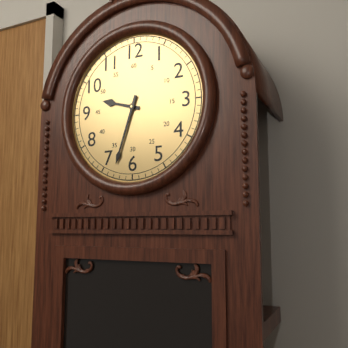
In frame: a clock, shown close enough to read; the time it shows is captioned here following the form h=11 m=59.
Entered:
h=9 m=33
